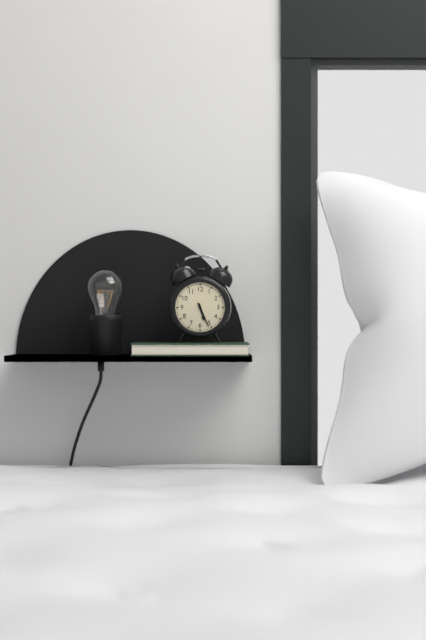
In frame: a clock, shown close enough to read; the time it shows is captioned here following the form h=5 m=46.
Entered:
h=5 m=26
